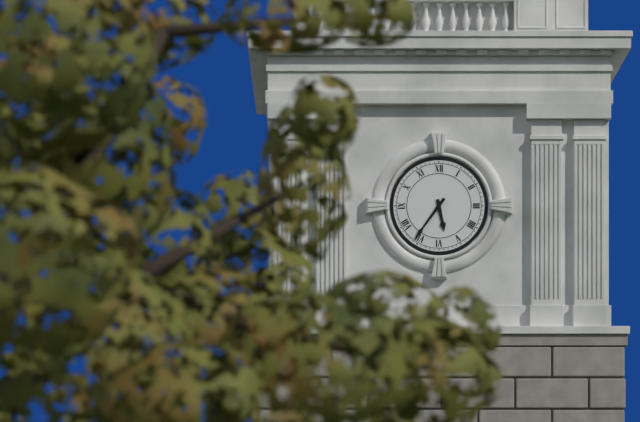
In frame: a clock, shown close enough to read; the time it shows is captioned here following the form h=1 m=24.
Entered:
h=5 m=36
